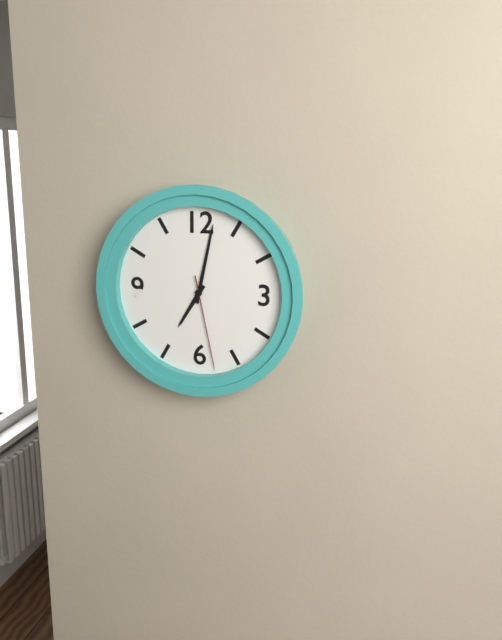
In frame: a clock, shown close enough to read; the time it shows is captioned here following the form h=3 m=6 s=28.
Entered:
h=7 m=2 s=28
